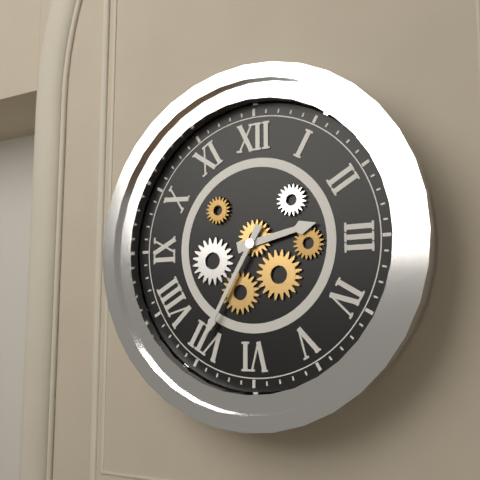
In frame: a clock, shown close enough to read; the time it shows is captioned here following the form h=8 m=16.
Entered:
h=2 m=35
